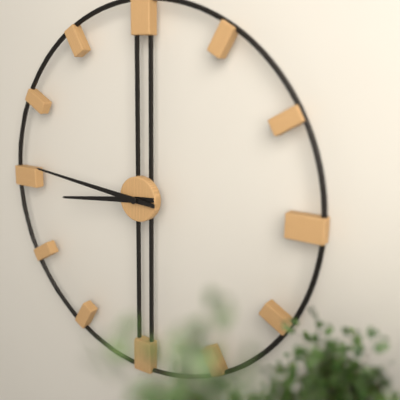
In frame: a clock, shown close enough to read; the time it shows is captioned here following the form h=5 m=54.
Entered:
h=8 m=46
